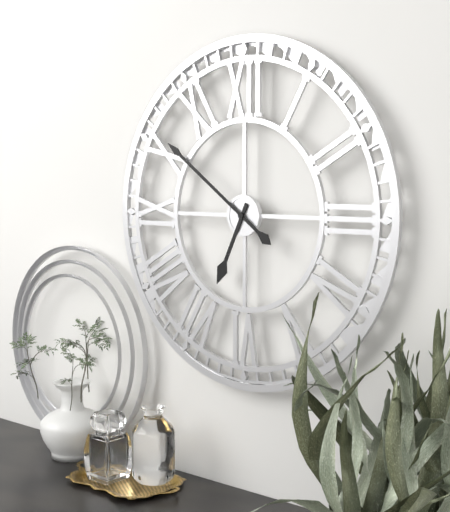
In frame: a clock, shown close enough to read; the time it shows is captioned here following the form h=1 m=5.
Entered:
h=6 m=51
